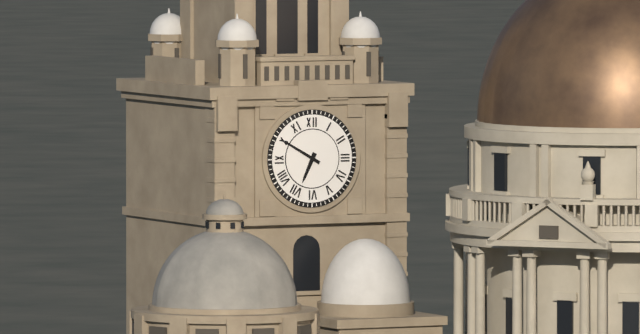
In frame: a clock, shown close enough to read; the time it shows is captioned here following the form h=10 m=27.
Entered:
h=6 m=50
